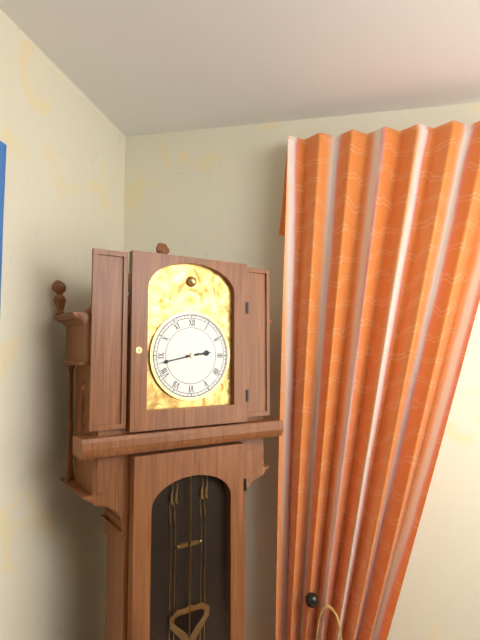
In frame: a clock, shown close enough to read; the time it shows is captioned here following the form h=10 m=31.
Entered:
h=2 m=43
